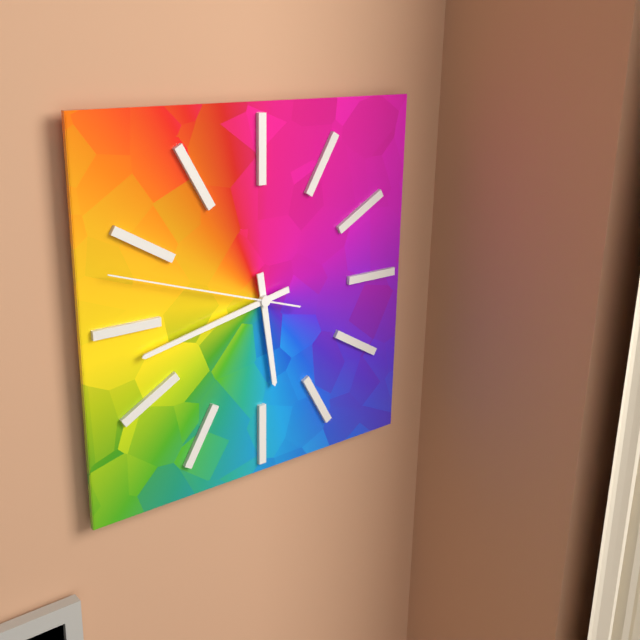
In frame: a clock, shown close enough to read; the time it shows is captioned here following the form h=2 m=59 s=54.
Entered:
h=5 m=43 s=48
